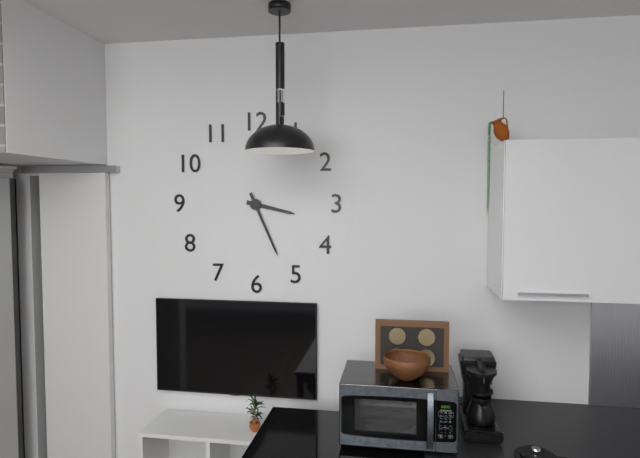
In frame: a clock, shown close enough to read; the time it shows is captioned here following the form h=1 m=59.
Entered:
h=3 m=26
